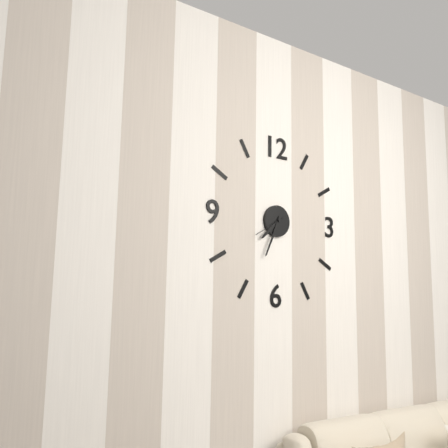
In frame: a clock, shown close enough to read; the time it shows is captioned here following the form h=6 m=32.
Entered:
h=7 m=34
